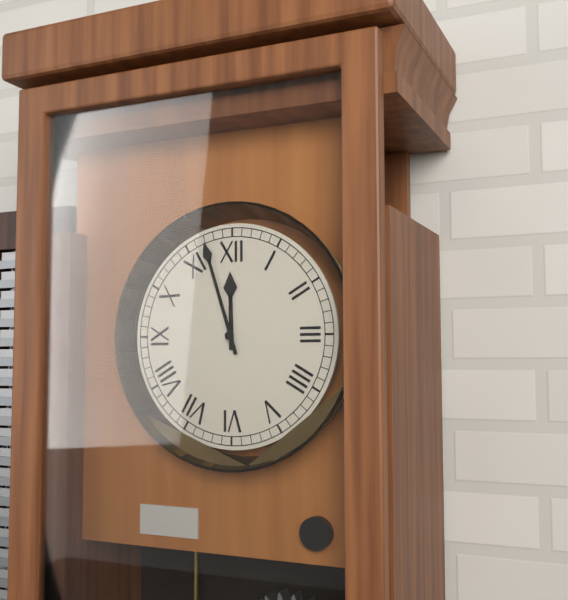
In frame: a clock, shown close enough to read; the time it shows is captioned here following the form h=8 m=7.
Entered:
h=11 m=57
